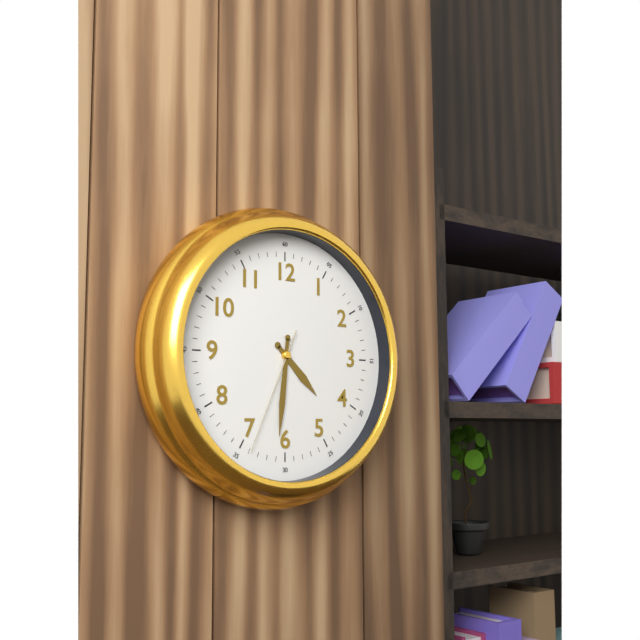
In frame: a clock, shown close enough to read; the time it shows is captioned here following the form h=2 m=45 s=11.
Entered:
h=4 m=31 s=34
